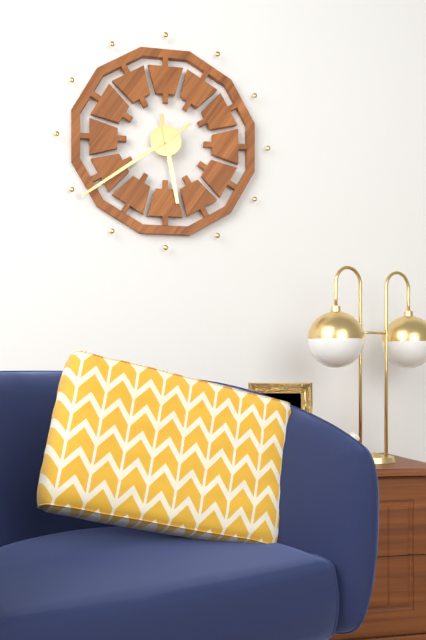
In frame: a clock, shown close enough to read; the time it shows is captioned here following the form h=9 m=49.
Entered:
h=5 m=39
